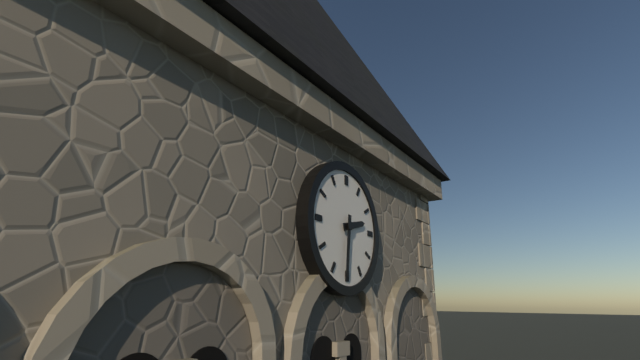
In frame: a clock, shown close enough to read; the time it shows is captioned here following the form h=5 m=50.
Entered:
h=2 m=31
